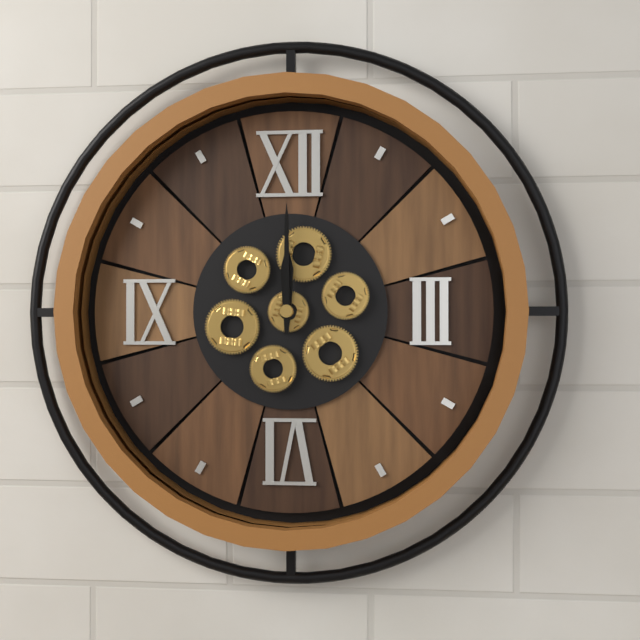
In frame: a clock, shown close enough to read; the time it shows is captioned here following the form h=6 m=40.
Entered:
h=12 m=0
